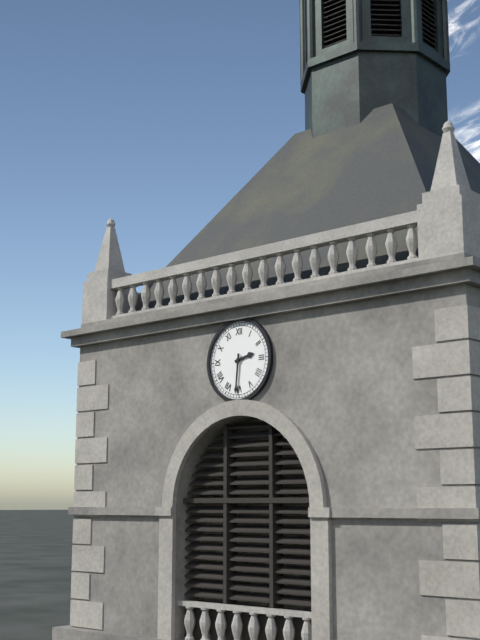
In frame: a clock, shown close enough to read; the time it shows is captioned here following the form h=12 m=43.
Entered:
h=2 m=31
